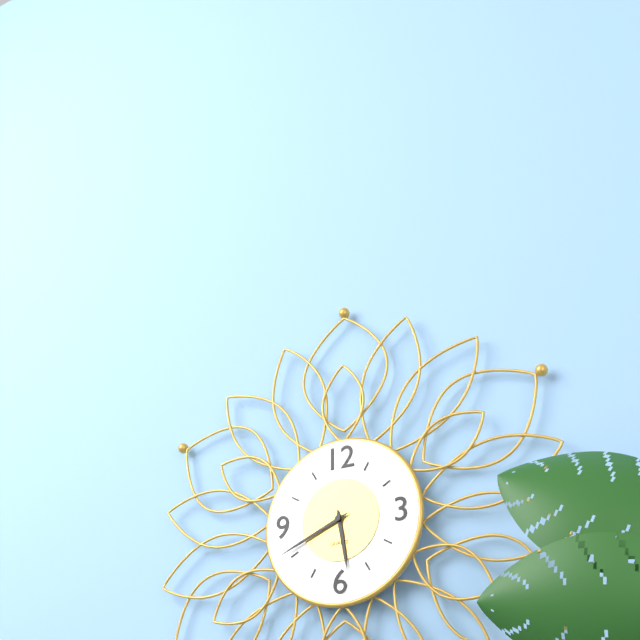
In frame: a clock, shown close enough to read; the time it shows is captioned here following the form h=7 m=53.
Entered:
h=5 m=41
